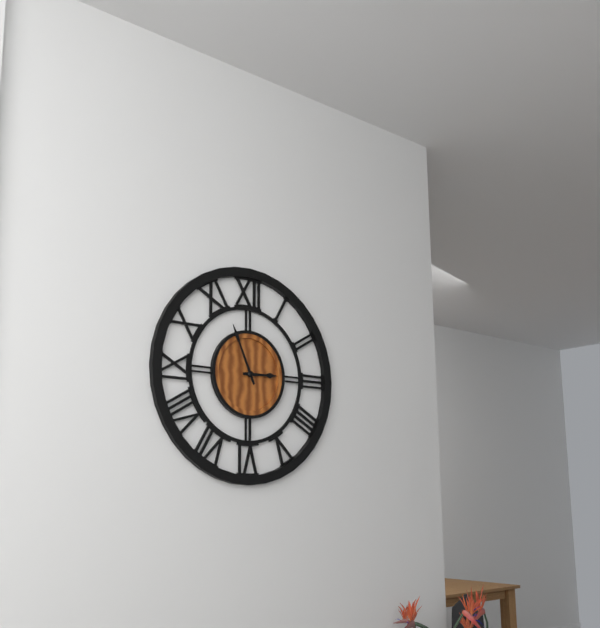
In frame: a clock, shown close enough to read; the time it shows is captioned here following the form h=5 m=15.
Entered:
h=2 m=56
